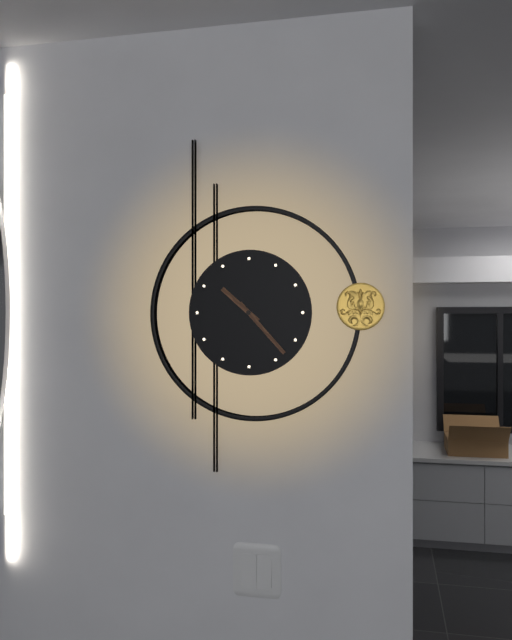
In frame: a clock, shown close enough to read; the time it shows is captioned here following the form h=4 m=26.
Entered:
h=10 m=23
